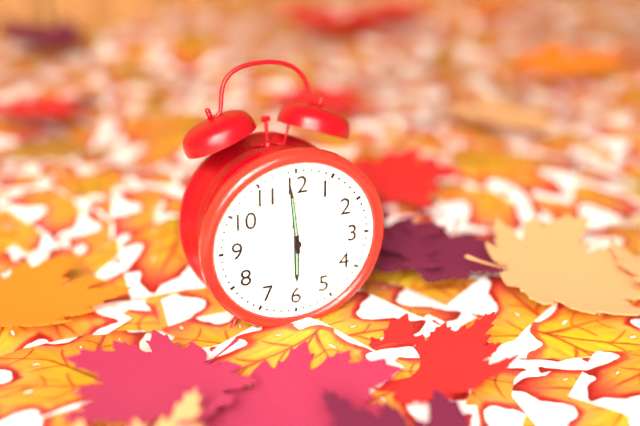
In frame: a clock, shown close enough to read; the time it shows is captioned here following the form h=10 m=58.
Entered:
h=5 m=59
